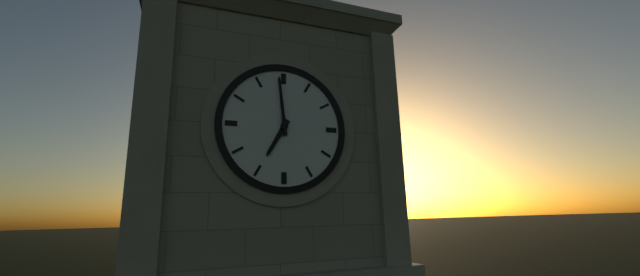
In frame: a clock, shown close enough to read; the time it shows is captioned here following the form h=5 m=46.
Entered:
h=6 m=59
